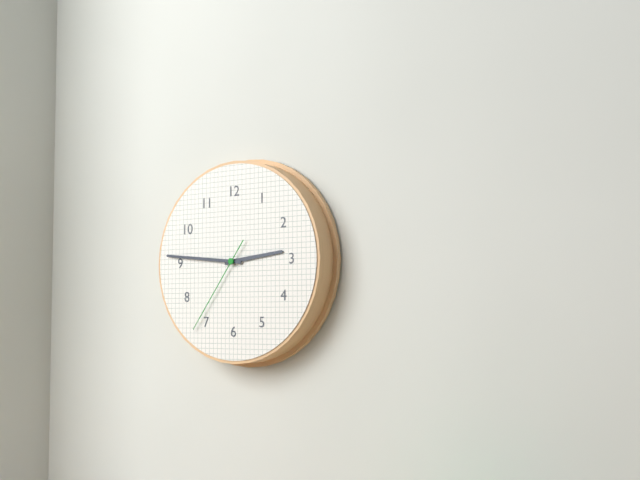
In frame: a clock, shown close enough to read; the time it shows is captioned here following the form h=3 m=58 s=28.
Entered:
h=2 m=46 s=36
